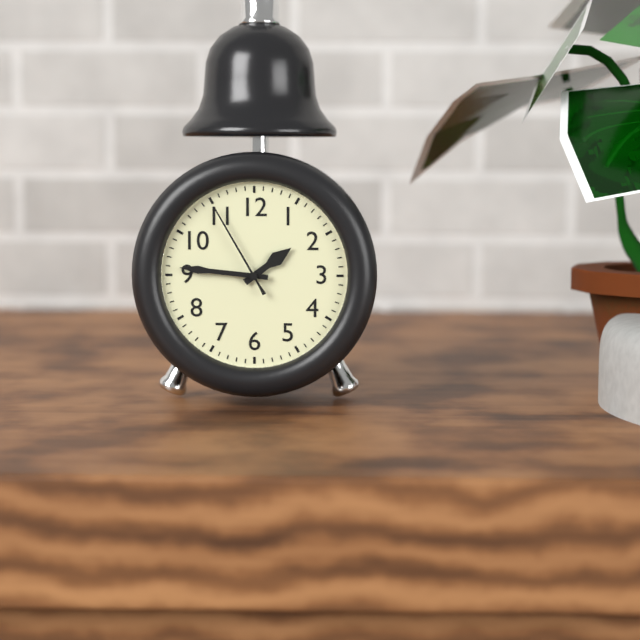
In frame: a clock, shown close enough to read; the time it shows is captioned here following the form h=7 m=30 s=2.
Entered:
h=1 m=46 s=55
